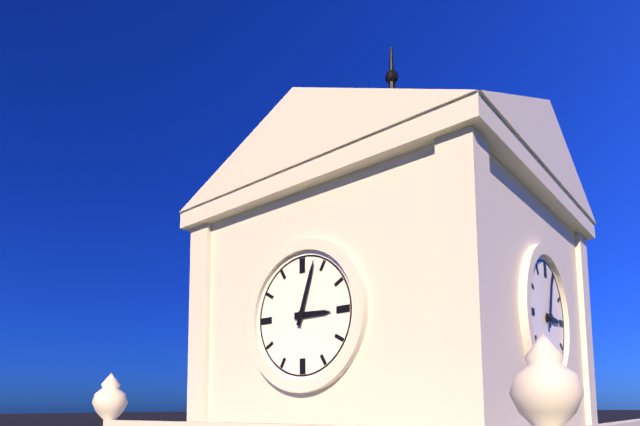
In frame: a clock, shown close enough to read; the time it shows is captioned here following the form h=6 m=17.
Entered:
h=3 m=3
